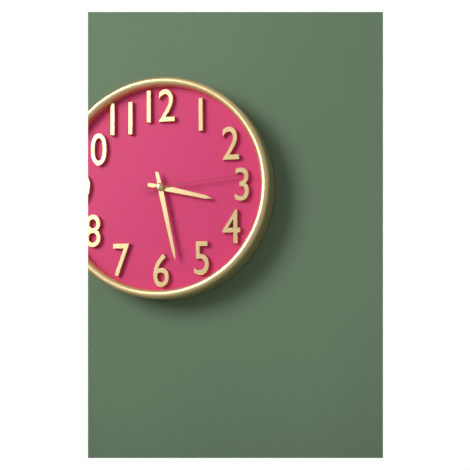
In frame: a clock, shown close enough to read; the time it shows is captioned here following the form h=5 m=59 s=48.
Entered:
h=3 m=28 s=14
